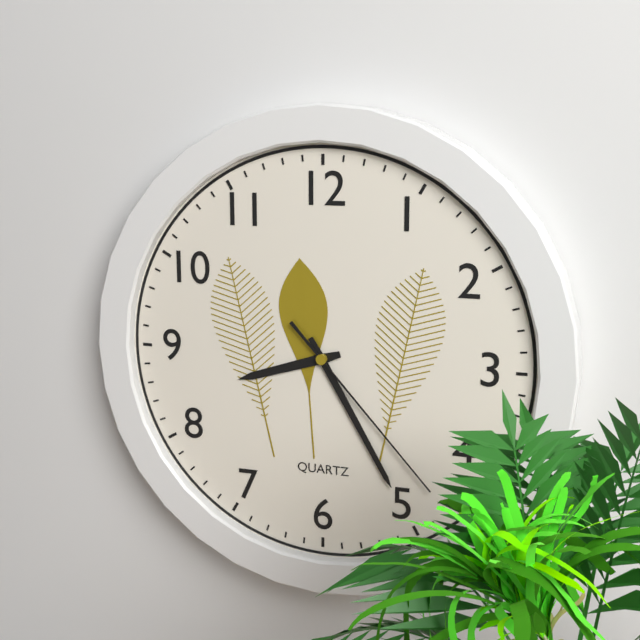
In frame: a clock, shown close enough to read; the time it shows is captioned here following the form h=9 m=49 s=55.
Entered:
h=8 m=25 s=23
